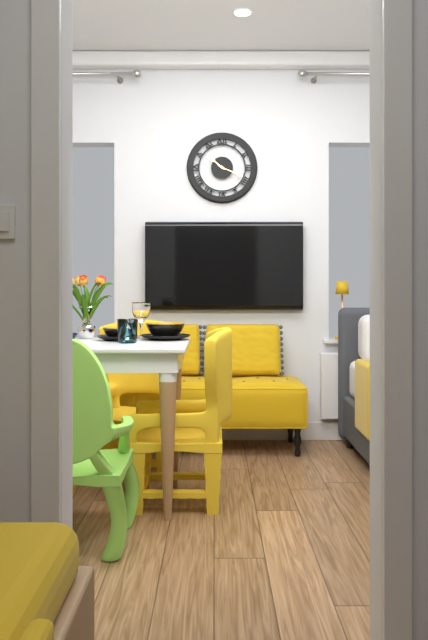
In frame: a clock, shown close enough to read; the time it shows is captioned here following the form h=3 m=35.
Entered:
h=10 m=19
